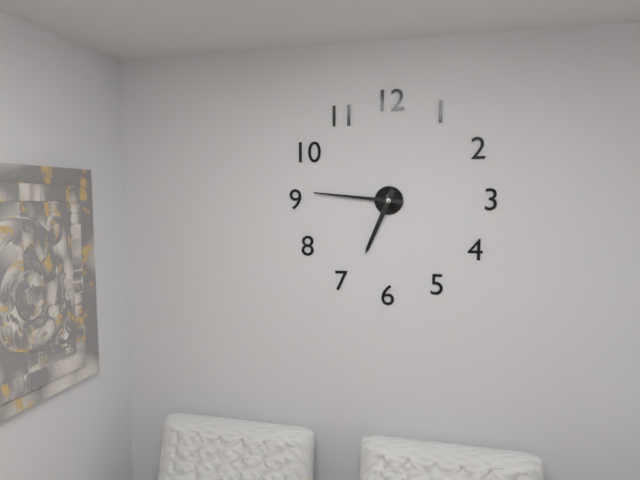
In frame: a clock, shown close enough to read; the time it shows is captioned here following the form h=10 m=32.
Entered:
h=6 m=46
